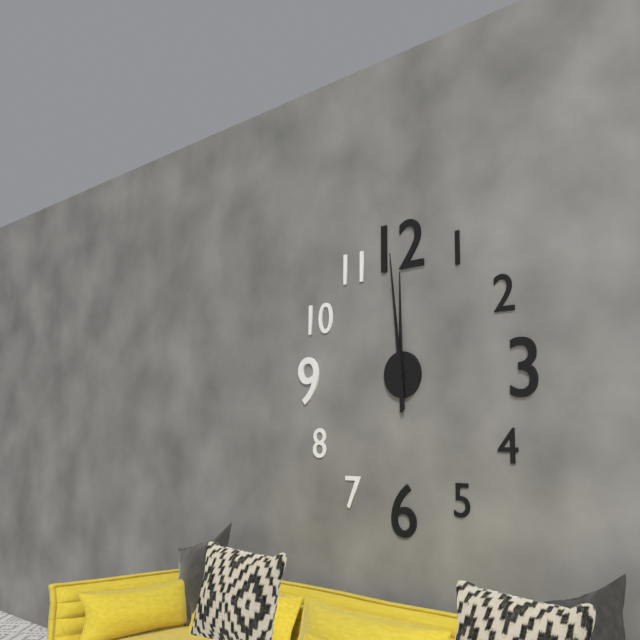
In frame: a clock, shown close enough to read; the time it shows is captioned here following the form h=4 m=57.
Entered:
h=11 m=59
